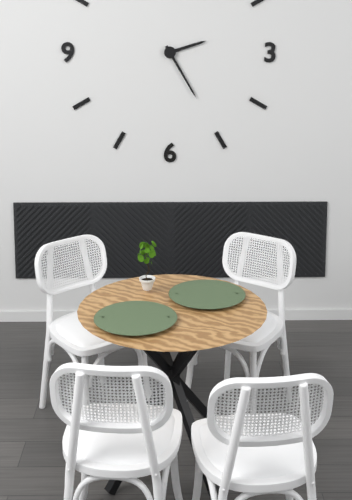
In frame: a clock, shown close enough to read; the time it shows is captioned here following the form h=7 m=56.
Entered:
h=2 m=25
